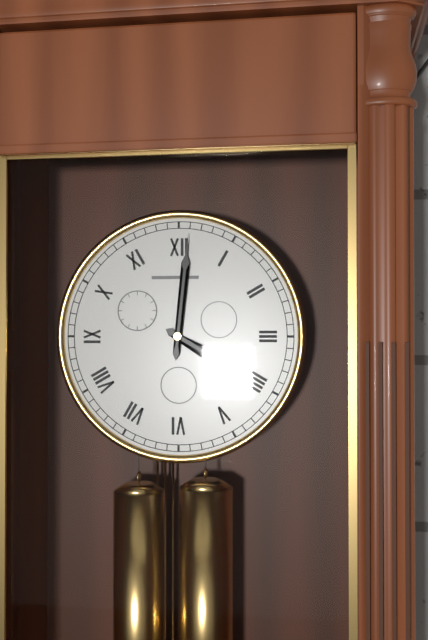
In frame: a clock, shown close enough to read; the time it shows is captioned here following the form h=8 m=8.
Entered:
h=4 m=1
